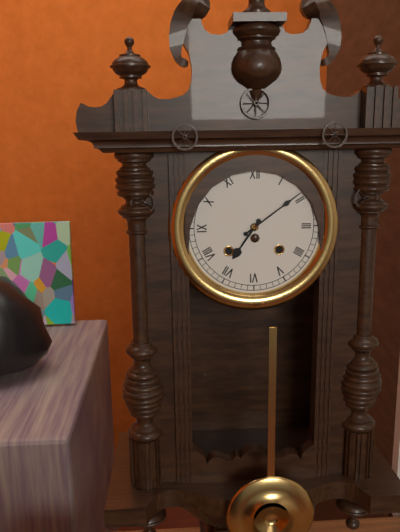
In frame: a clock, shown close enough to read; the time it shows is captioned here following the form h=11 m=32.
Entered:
h=7 m=9
